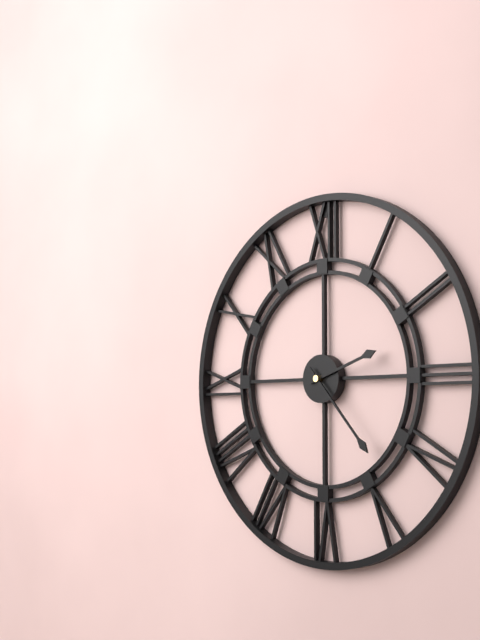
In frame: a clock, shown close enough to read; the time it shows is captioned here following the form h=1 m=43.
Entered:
h=2 m=23
